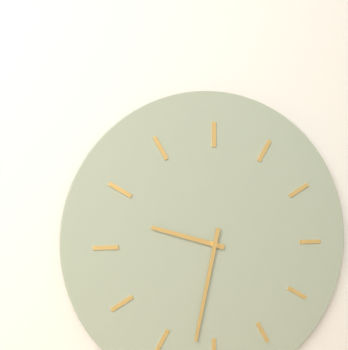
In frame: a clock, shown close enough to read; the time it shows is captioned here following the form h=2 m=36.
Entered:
h=9 m=32
